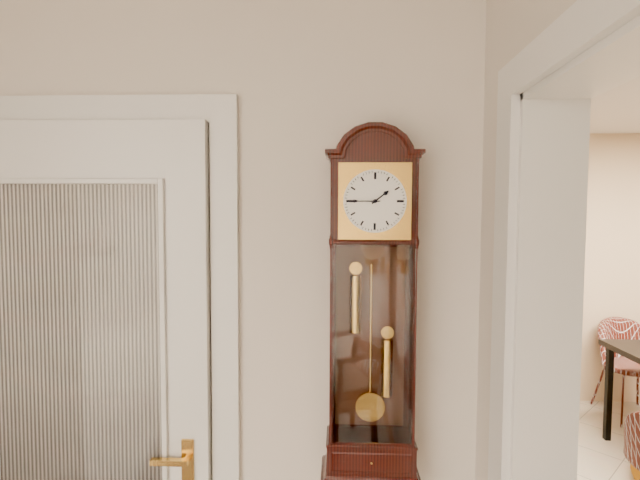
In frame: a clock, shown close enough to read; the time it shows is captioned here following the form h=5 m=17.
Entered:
h=1 m=45
